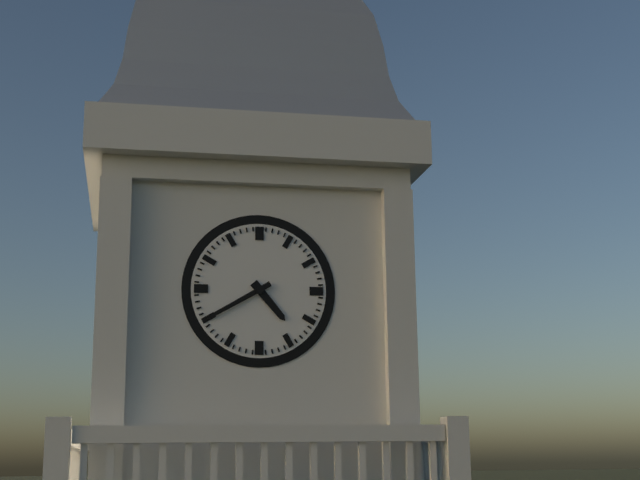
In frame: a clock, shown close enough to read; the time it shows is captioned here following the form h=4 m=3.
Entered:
h=4 m=40
